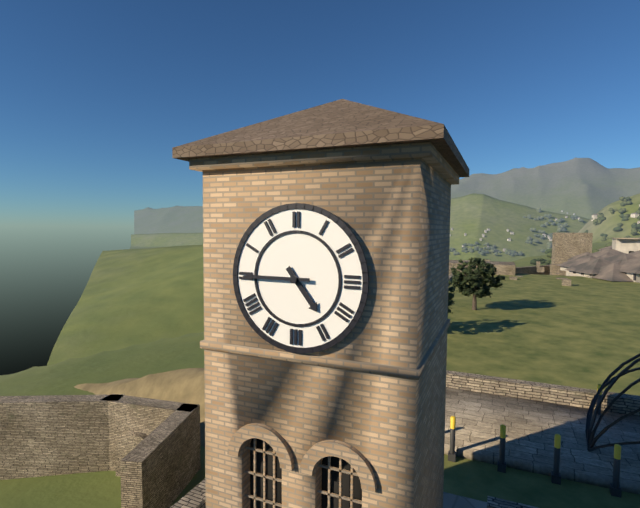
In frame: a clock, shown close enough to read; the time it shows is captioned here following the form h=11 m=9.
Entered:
h=4 m=45
